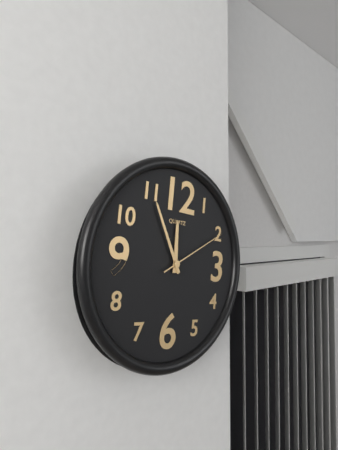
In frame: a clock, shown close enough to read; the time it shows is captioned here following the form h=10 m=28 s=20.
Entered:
h=11 m=55 s=10
